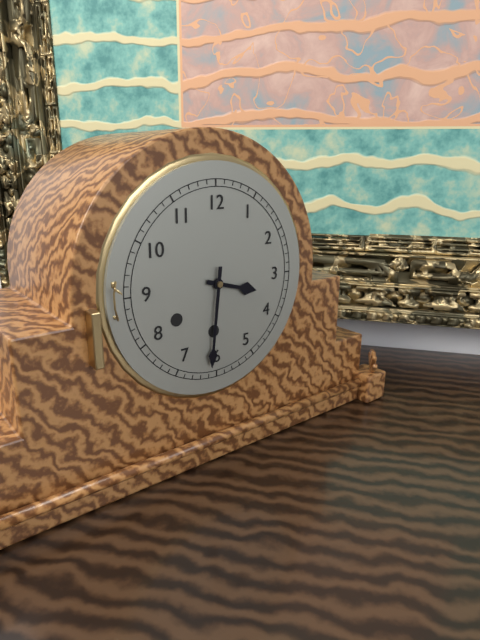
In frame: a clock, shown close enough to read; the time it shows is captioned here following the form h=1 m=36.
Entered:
h=3 m=31
